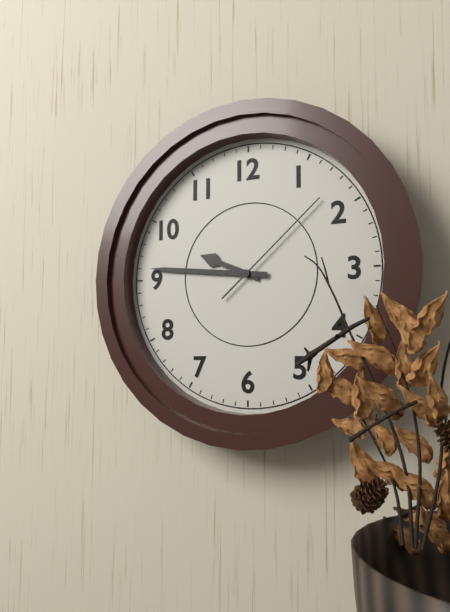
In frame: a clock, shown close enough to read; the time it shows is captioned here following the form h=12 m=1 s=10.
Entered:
h=9 m=46 s=8
